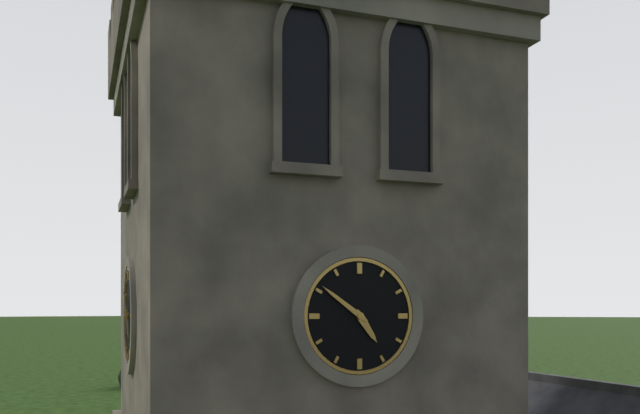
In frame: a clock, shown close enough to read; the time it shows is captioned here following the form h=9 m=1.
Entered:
h=4 m=51
